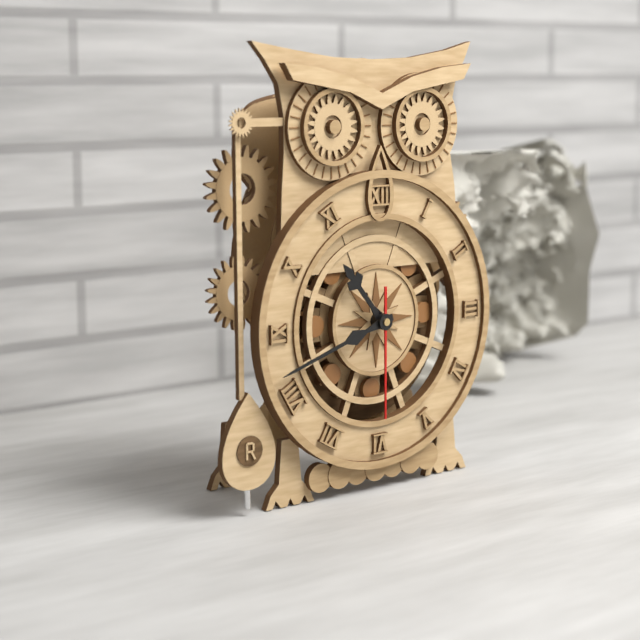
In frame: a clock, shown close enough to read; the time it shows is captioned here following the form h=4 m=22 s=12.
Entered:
h=10 m=42 s=30
